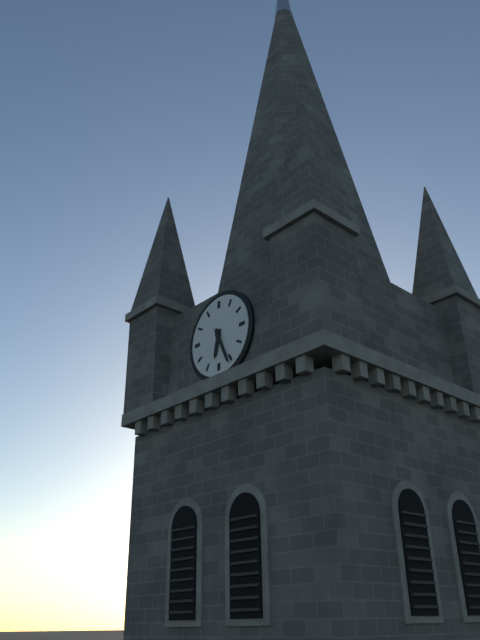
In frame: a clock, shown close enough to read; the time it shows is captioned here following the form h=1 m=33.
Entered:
h=6 m=26
